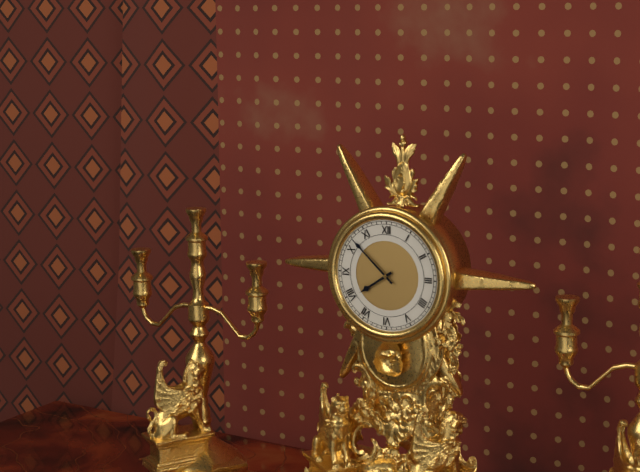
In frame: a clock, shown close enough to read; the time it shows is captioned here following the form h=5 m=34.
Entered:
h=7 m=52
